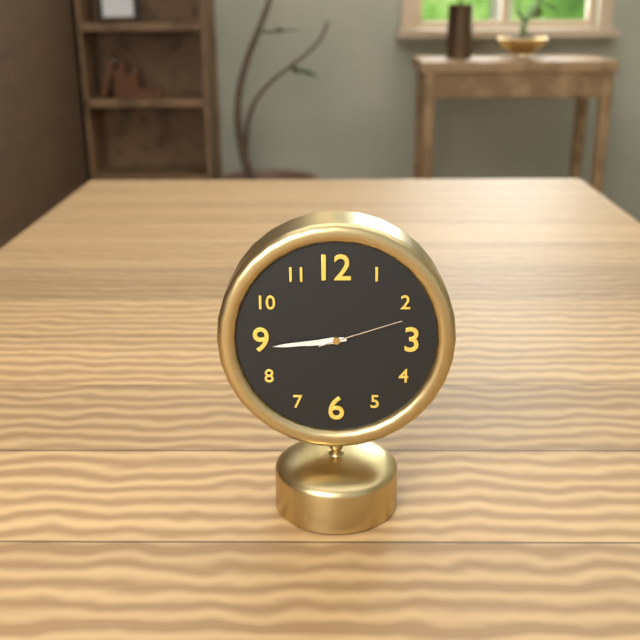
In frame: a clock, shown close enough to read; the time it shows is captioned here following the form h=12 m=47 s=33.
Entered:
h=8 m=44 s=12
